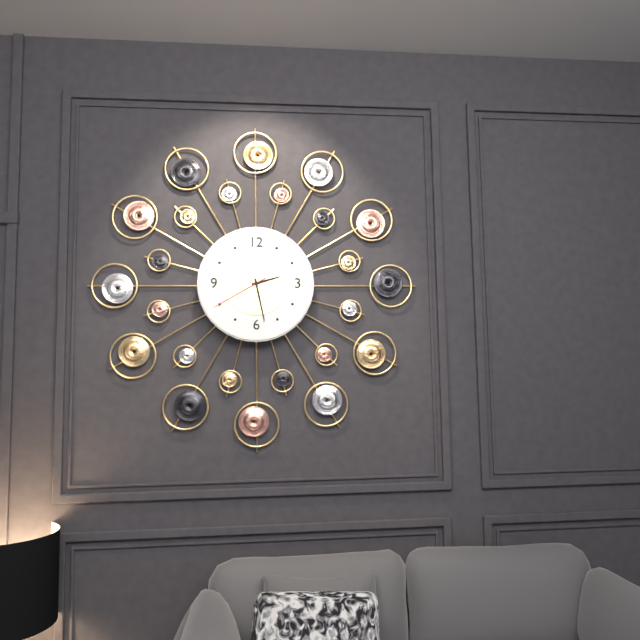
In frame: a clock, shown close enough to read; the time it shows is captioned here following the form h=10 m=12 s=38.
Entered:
h=2 m=28 s=40
